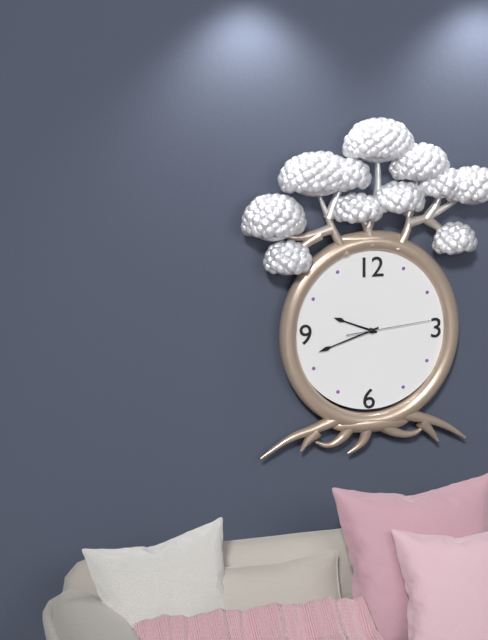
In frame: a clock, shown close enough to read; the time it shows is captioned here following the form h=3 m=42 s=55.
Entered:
h=9 m=42 s=14
